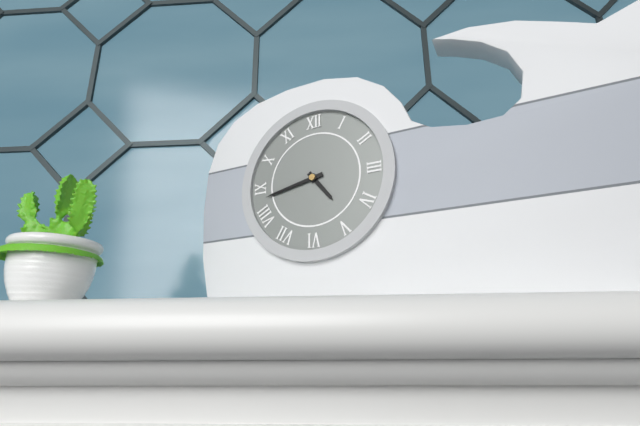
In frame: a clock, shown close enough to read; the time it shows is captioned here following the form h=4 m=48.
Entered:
h=4 m=43
